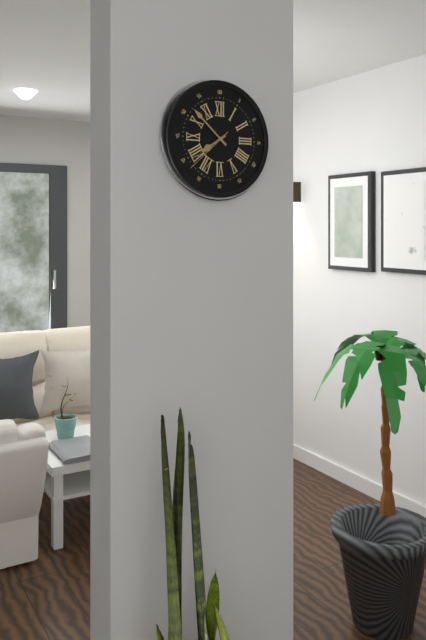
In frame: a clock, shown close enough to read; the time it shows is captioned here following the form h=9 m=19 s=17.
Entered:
h=7 m=52 s=38
